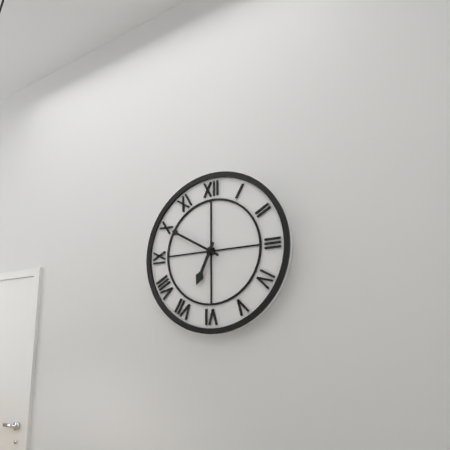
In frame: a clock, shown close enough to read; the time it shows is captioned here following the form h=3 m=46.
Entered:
h=6 m=50
